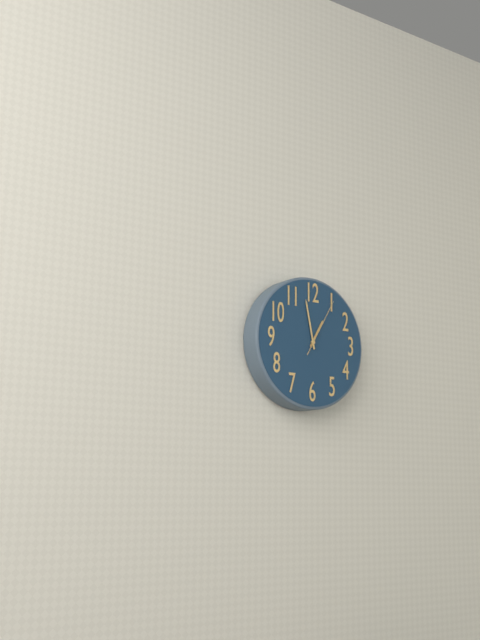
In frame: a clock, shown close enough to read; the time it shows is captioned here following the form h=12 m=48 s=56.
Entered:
h=12 m=58 s=5
